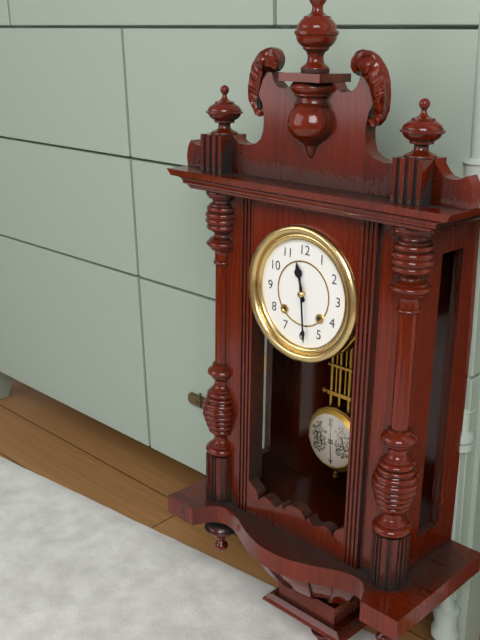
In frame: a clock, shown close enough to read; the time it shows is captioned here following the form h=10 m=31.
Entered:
h=11 m=29
